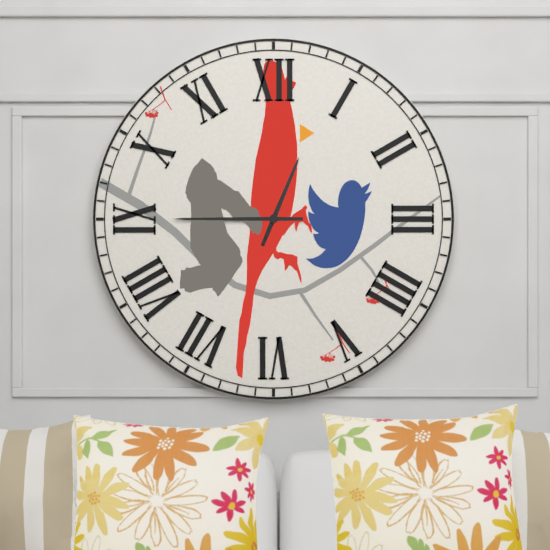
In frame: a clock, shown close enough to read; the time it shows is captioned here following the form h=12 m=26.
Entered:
h=12 m=45
